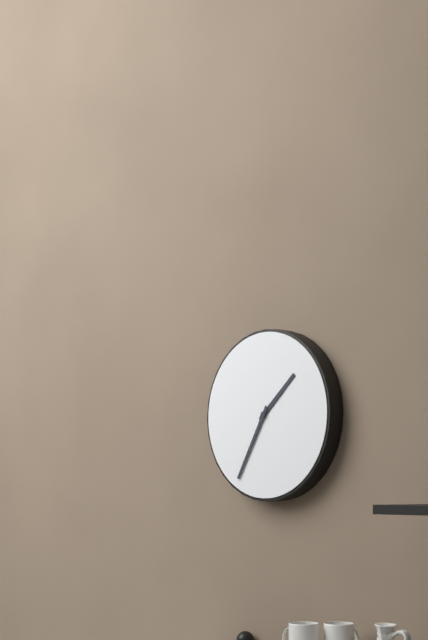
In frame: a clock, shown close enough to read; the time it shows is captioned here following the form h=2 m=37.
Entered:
h=1 m=35
